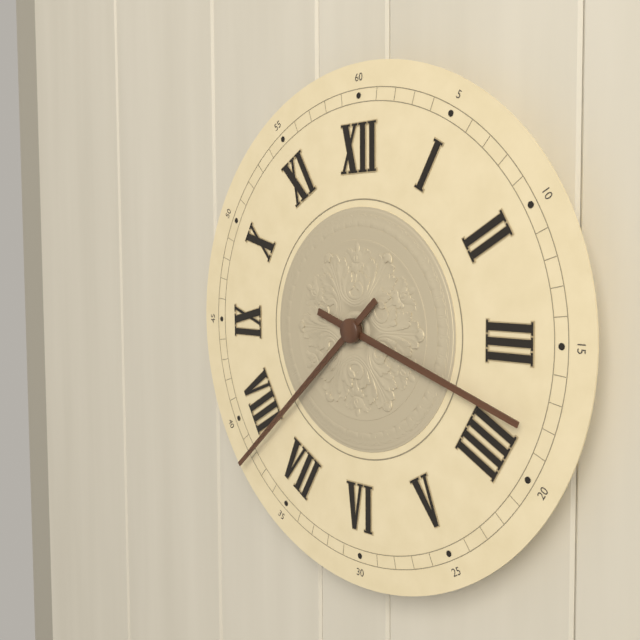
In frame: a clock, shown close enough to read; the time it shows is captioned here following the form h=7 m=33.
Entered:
h=3 m=38
